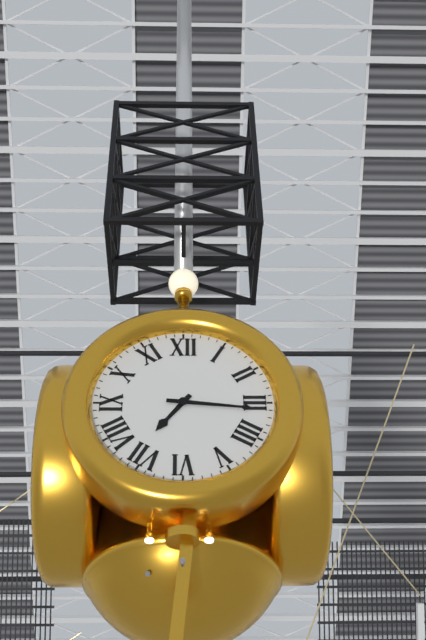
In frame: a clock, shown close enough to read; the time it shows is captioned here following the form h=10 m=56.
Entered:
h=7 m=16
